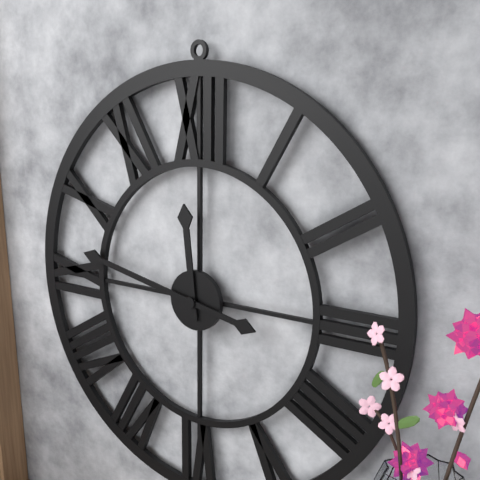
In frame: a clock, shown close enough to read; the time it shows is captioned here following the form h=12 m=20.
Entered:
h=11 m=47
